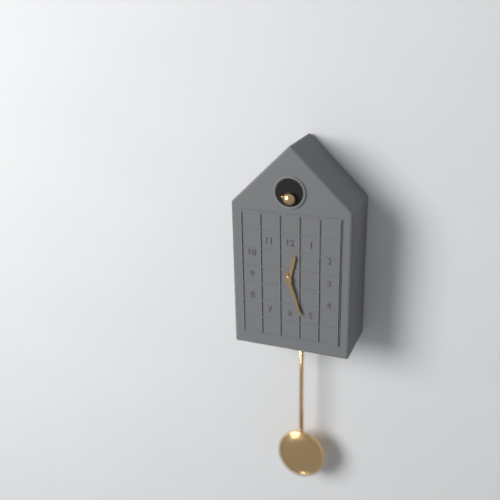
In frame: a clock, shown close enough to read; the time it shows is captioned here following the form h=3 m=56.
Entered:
h=12 m=27
